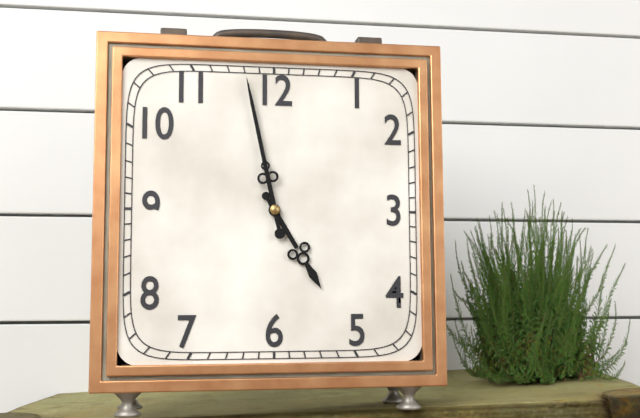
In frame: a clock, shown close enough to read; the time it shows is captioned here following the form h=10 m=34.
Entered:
h=4 m=58
